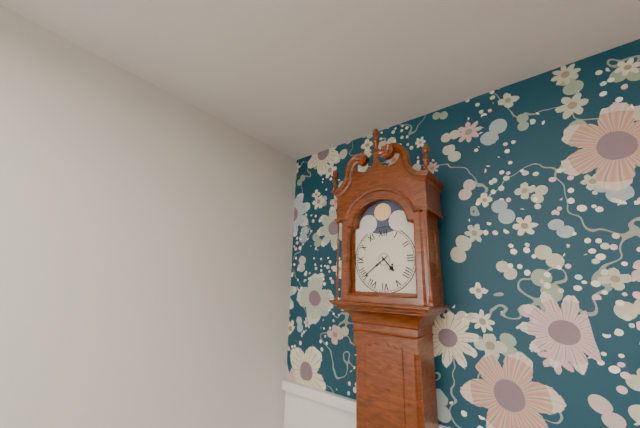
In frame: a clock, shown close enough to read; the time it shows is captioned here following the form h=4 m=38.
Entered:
h=4 m=39
